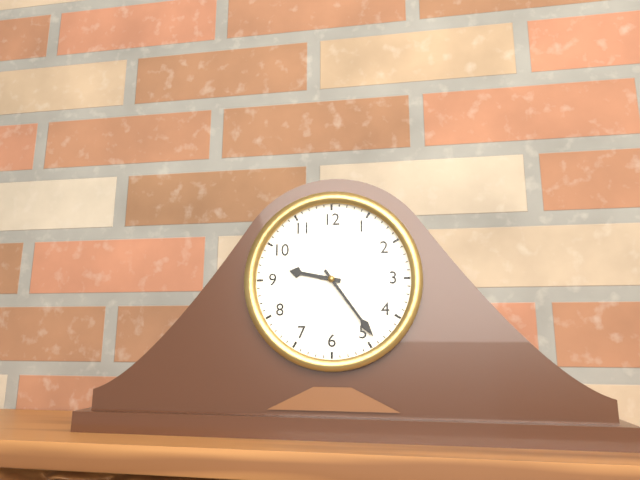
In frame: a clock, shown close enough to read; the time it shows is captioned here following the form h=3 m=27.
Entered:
h=9 m=24
